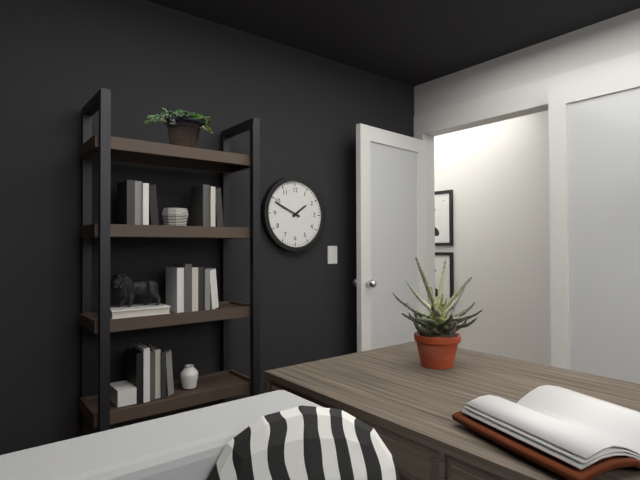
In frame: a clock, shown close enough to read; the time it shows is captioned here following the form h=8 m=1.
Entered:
h=1 m=49
